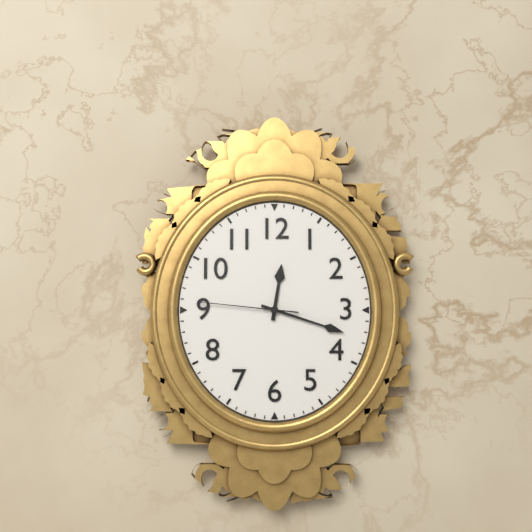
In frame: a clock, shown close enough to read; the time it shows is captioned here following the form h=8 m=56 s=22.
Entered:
h=12 m=18 s=46
